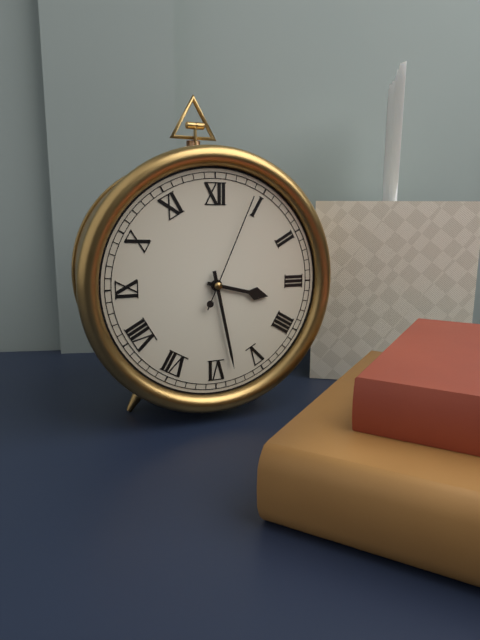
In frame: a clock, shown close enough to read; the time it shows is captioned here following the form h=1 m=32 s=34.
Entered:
h=3 m=28 s=4
